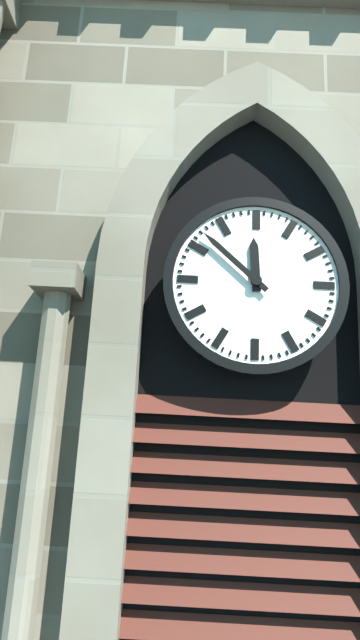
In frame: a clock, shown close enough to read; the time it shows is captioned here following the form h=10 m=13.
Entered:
h=11 m=52
